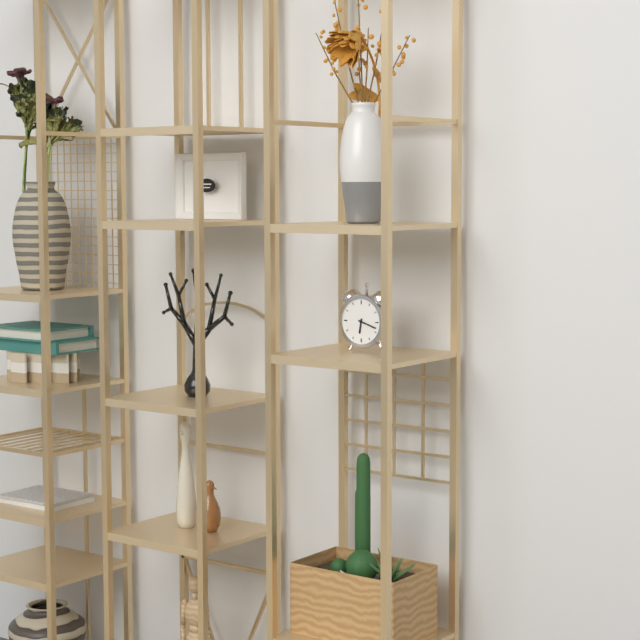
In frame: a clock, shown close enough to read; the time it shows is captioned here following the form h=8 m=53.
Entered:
h=6 m=18
